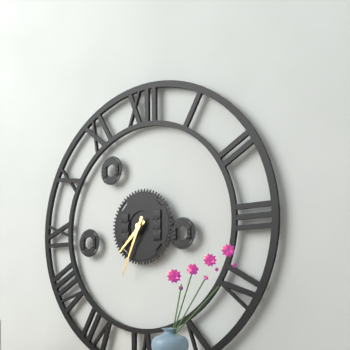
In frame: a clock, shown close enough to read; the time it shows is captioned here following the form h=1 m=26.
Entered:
h=7 m=34
